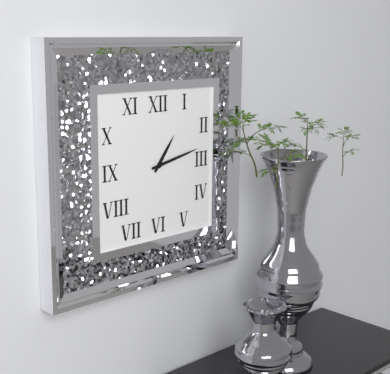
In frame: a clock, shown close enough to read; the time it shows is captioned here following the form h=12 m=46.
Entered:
h=1 m=13
